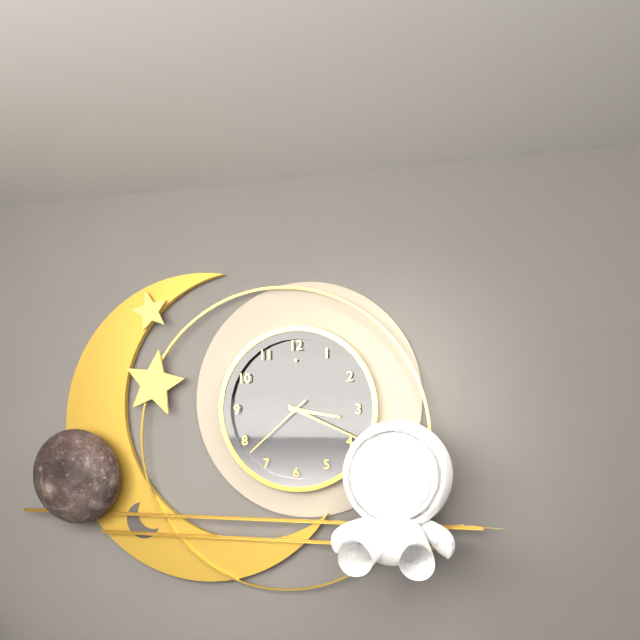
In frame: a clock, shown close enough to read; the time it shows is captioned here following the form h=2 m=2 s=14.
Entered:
h=3 m=19 s=38
